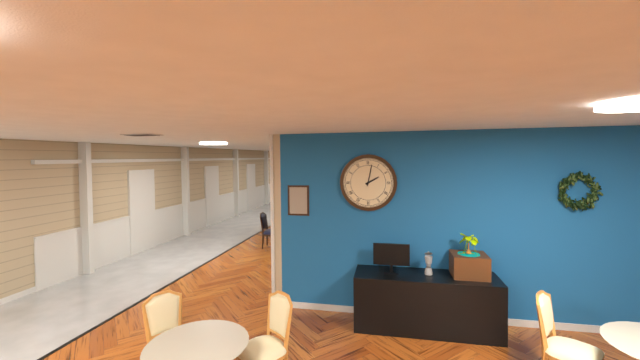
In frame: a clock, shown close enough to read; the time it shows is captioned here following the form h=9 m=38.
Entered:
h=2 m=2
